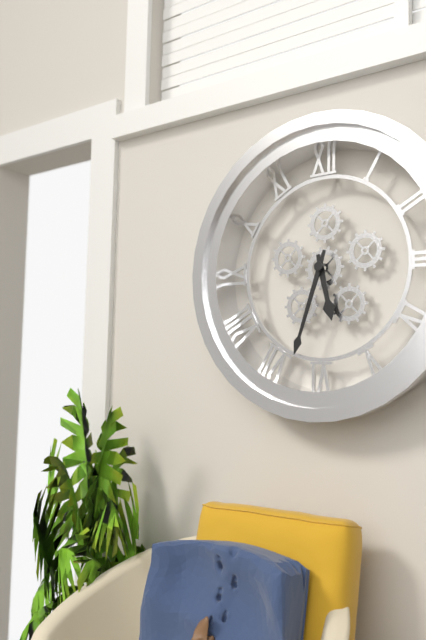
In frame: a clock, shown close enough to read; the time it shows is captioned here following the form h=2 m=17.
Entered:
h=5 m=33
